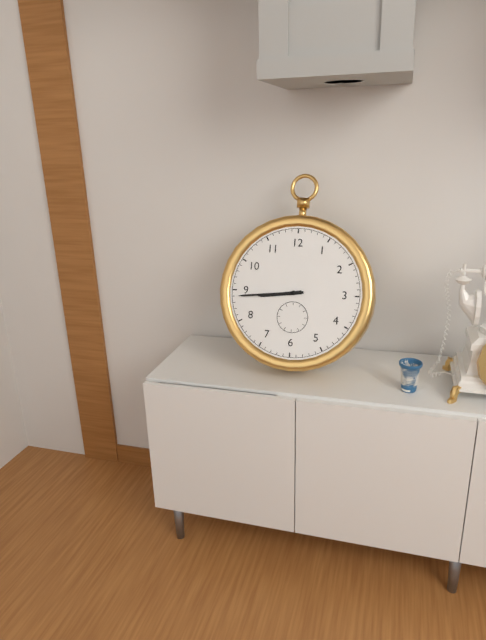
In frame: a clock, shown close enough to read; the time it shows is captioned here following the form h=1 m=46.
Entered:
h=8 m=44
